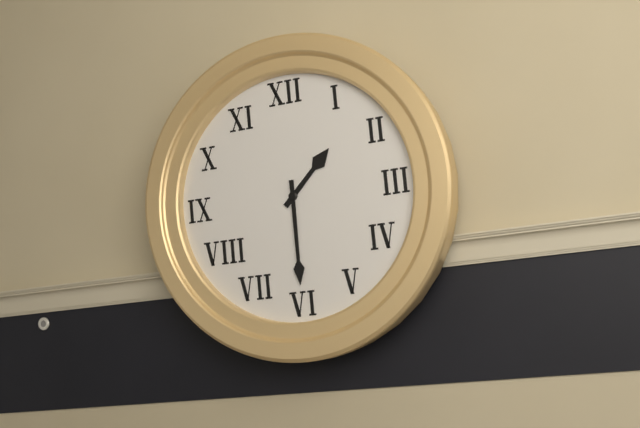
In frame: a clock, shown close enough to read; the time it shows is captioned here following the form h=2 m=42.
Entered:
h=1 m=30
